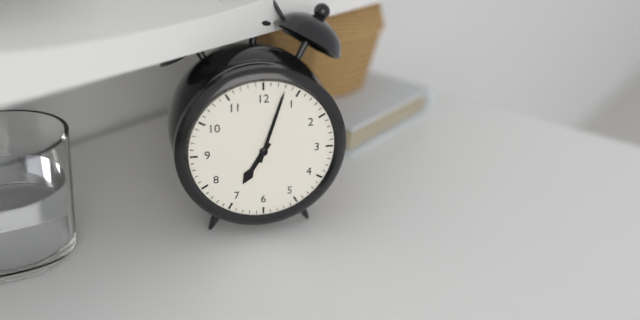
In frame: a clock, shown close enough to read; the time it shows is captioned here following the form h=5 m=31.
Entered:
h=7 m=3
